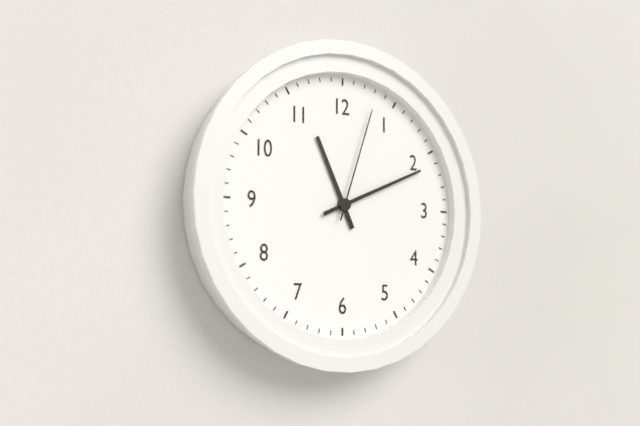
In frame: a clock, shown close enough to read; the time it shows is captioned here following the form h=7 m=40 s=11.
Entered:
h=11 m=11 s=3
